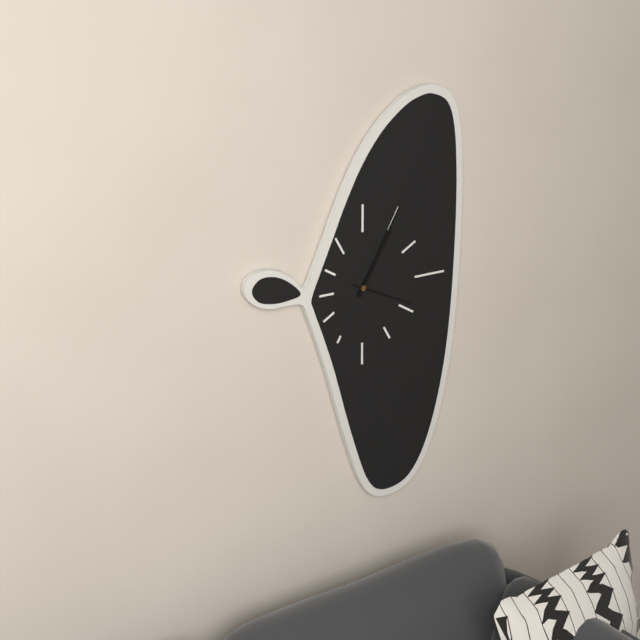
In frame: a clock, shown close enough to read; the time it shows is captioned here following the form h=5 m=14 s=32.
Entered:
h=1 m=5 s=19
